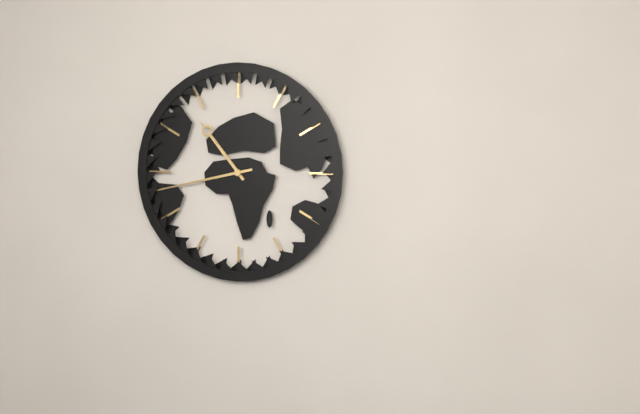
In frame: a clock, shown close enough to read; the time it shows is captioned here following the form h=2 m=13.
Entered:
h=10 m=43
